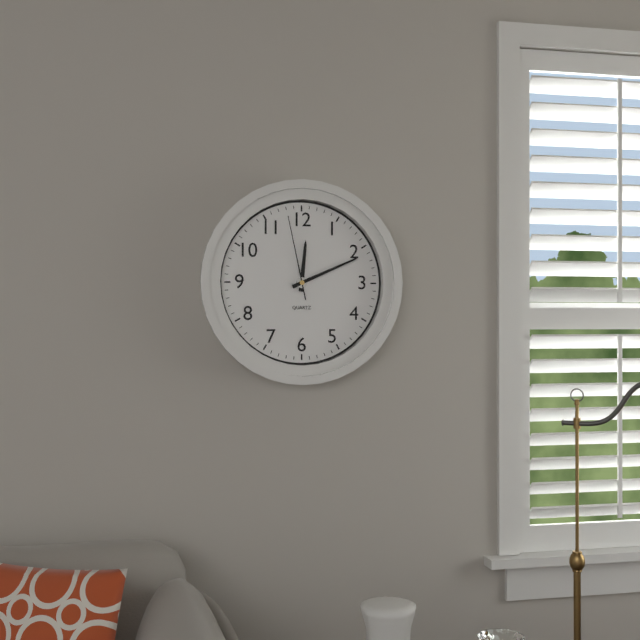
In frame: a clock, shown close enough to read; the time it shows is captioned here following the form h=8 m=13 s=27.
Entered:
h=12 m=11 s=58
